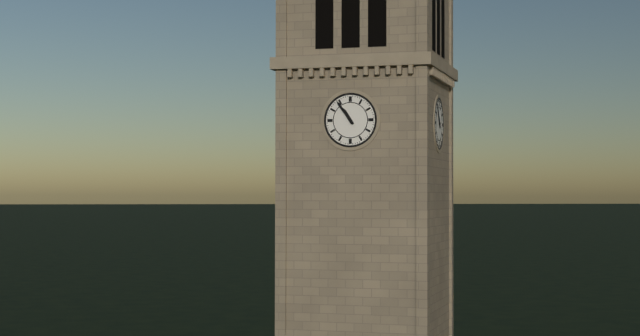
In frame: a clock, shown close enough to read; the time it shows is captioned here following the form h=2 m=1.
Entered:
h=10 m=54
